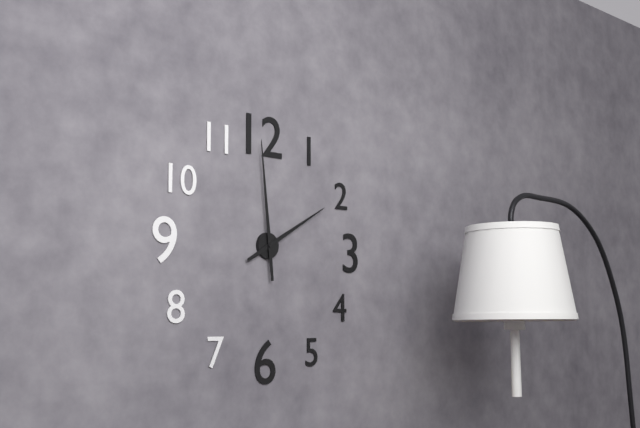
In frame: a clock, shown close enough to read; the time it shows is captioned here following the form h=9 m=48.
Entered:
h=1 m=59
